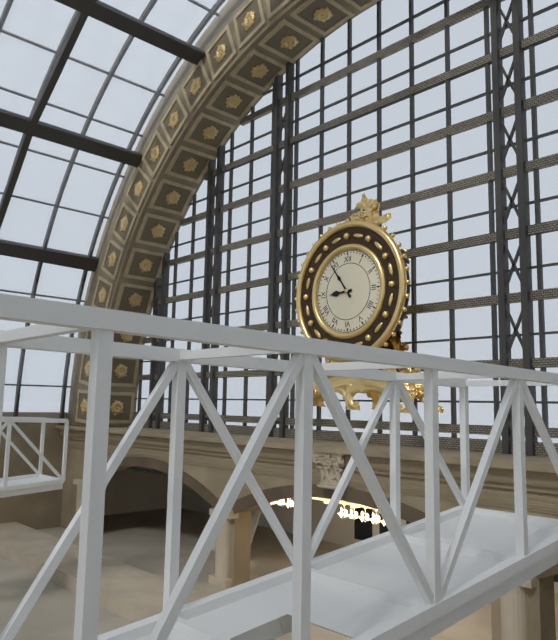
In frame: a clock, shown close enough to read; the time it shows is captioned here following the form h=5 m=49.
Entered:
h=8 m=54
